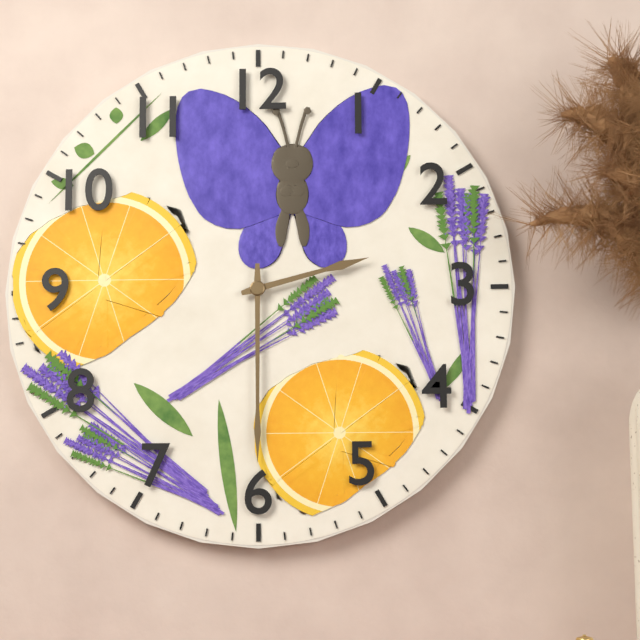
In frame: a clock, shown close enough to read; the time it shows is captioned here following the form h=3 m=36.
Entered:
h=2 m=30
